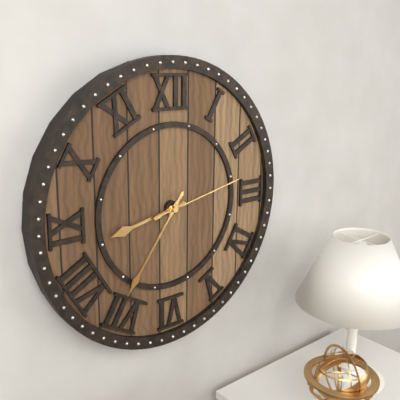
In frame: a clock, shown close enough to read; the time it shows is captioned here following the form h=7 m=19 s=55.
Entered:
h=8 m=36 s=13
